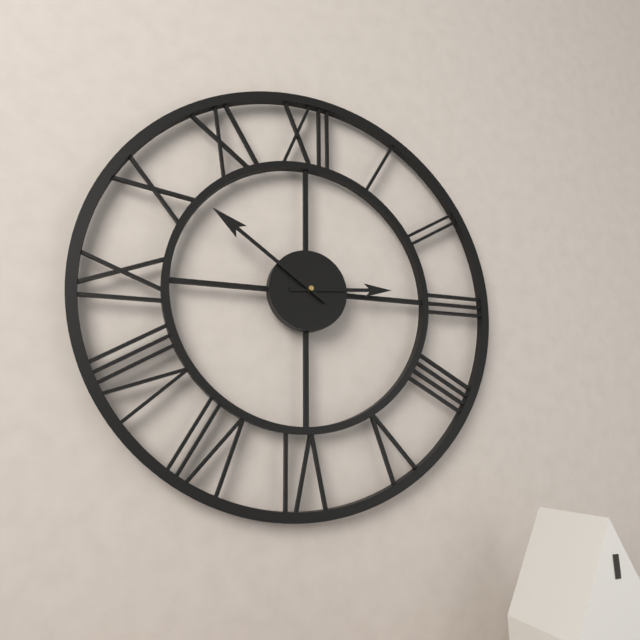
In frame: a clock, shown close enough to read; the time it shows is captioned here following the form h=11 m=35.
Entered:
h=2 m=51
